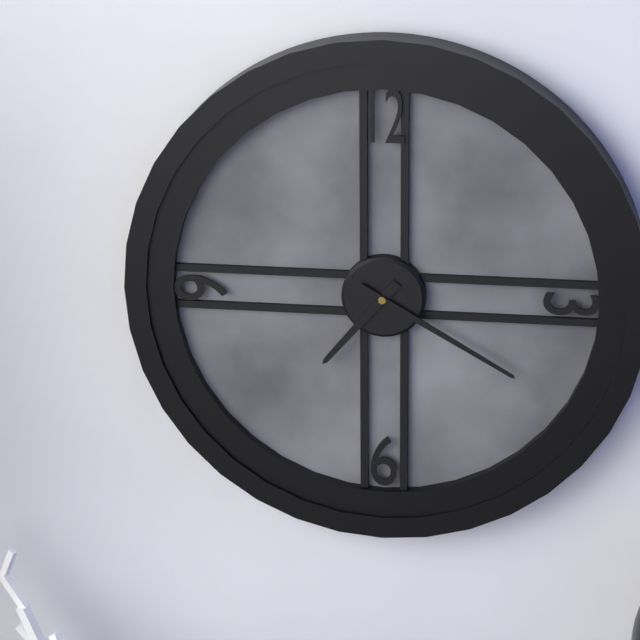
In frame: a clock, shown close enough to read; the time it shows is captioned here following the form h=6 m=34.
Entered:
h=7 m=20
